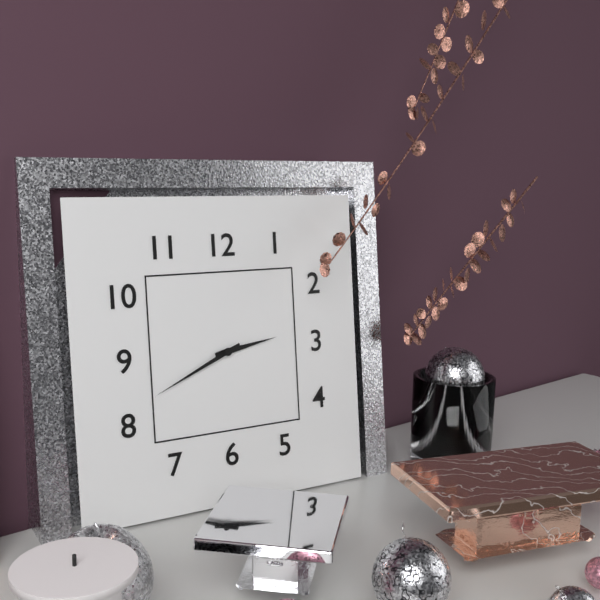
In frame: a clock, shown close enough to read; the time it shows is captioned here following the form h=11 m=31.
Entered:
h=2 m=41
